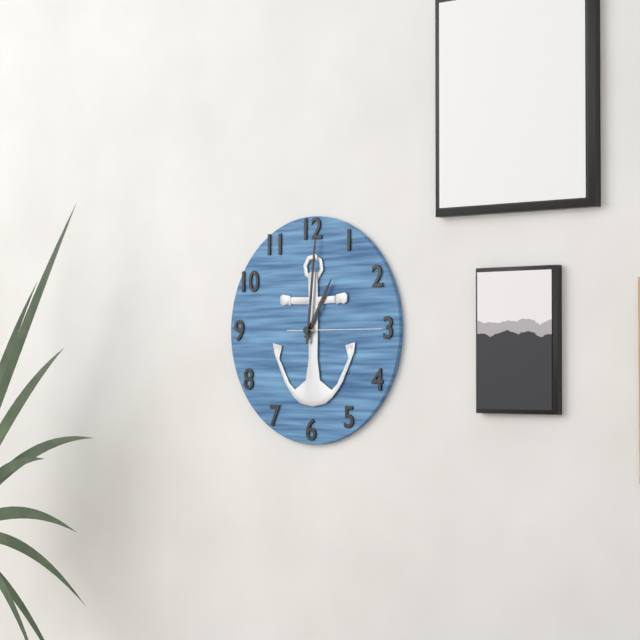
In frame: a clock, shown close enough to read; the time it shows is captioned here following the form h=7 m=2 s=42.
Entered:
h=1 m=1 s=15
